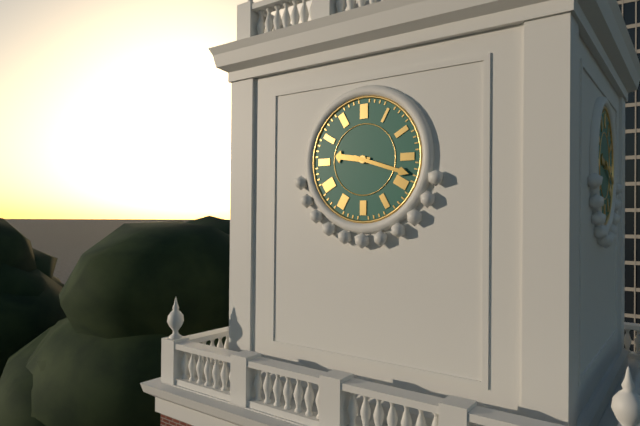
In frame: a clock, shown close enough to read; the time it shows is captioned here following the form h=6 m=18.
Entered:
h=9 m=18
